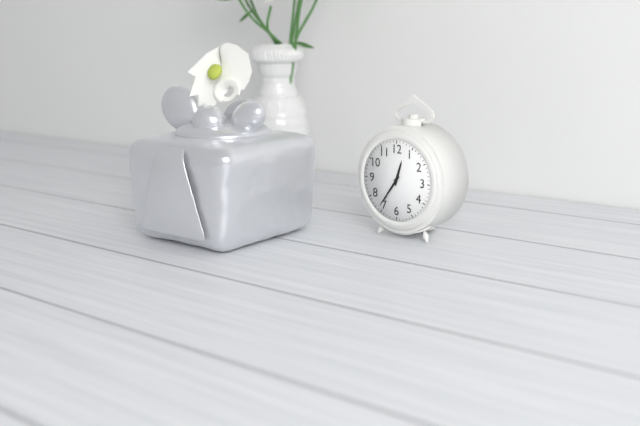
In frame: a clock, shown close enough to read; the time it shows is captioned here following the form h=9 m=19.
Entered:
h=12 m=36
